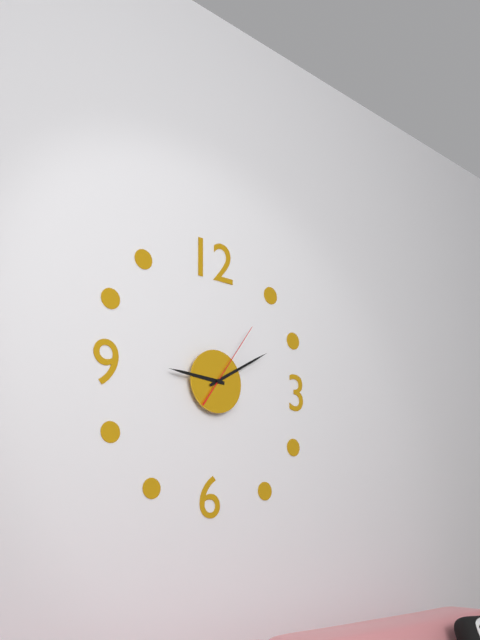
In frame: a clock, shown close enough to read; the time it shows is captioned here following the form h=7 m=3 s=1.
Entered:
h=9 m=10 s=6
